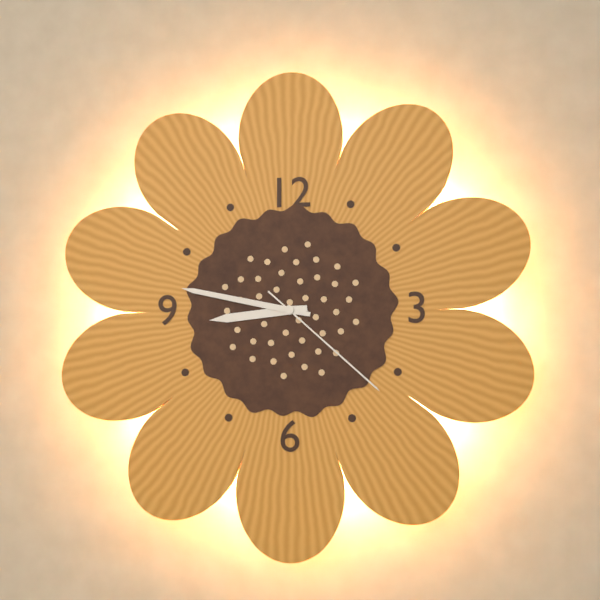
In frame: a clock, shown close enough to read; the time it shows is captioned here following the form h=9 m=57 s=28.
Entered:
h=8 m=47 s=22
